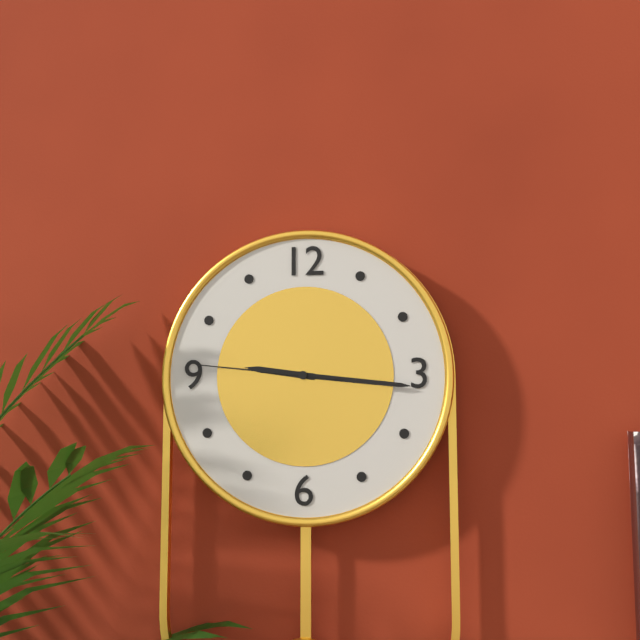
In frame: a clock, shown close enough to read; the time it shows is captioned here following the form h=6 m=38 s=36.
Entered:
h=9 m=16 s=46
